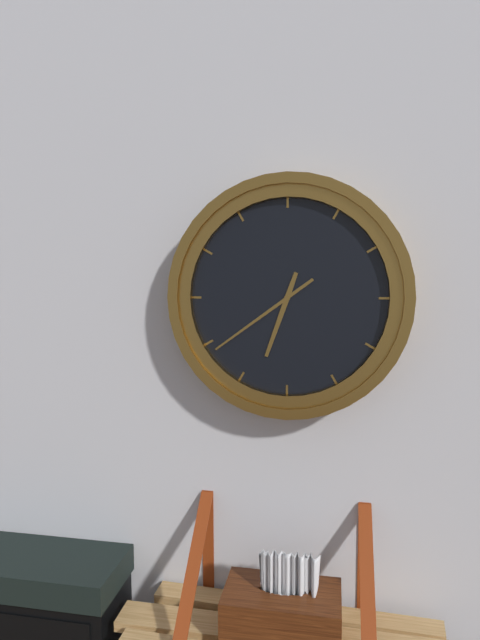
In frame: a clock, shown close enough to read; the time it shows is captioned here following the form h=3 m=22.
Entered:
h=6 m=39
